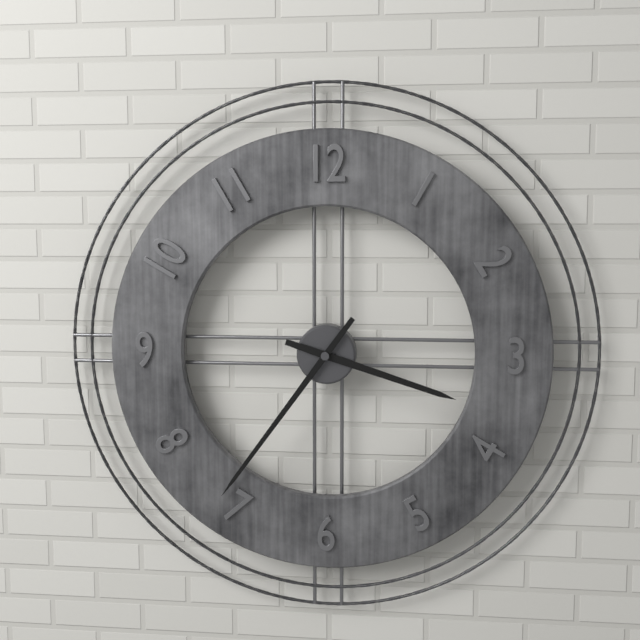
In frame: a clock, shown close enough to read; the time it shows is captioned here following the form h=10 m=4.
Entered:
h=3 m=36
